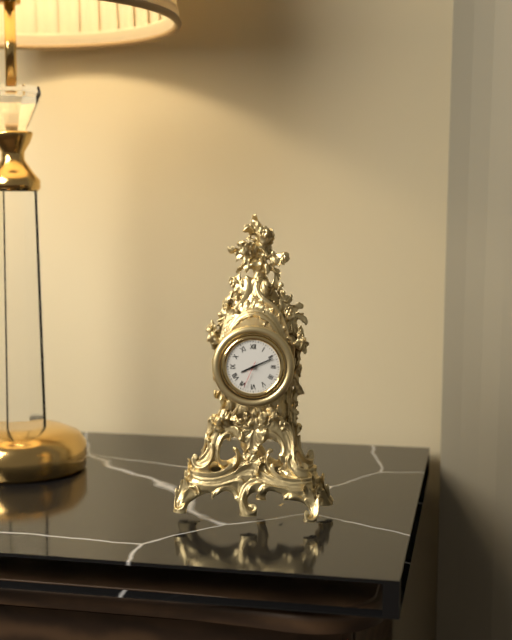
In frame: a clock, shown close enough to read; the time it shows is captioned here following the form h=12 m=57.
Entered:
h=8 m=11
